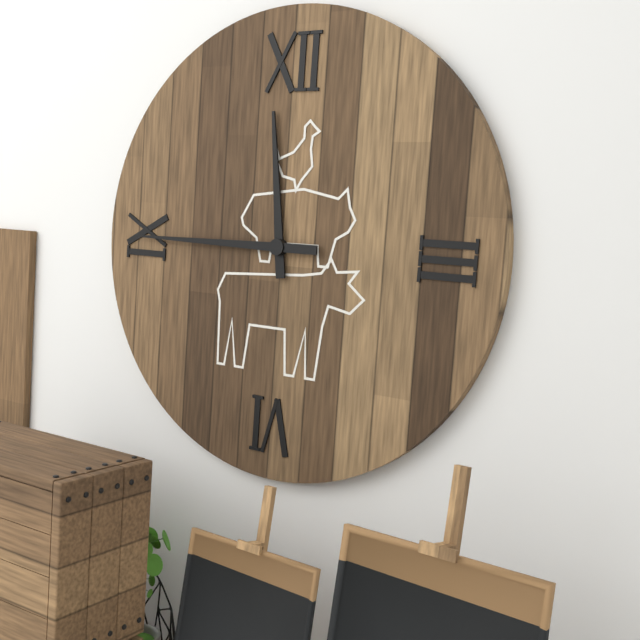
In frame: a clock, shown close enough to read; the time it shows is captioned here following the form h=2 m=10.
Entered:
h=11 m=45
